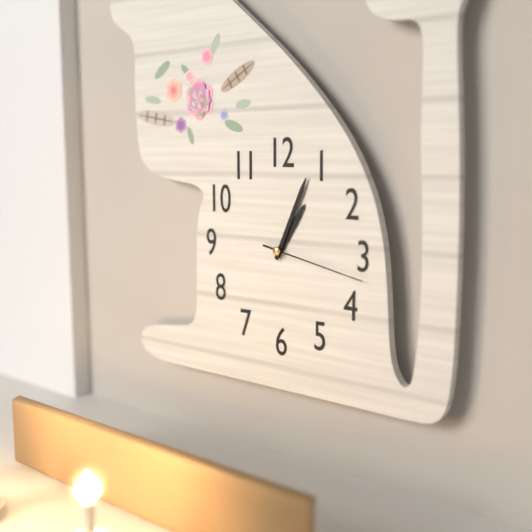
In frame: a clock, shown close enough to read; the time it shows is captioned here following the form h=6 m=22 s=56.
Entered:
h=1 m=4 s=17
